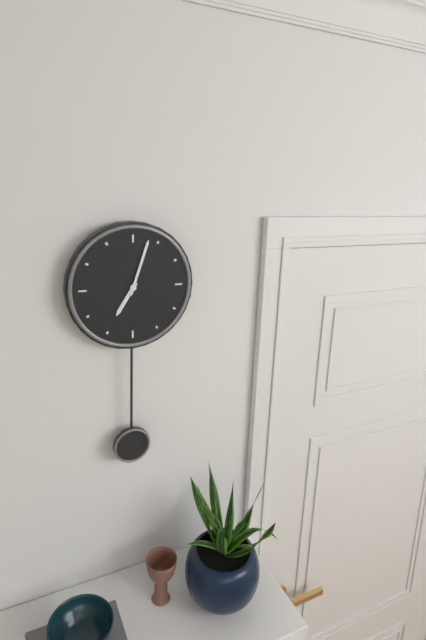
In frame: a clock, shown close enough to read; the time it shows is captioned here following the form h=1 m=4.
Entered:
h=7 m=3
